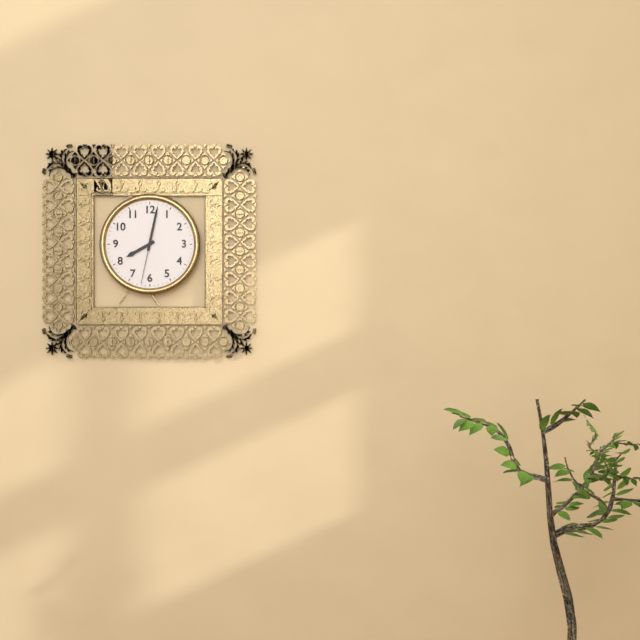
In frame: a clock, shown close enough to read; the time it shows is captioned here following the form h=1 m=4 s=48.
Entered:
h=8 m=2 s=32
